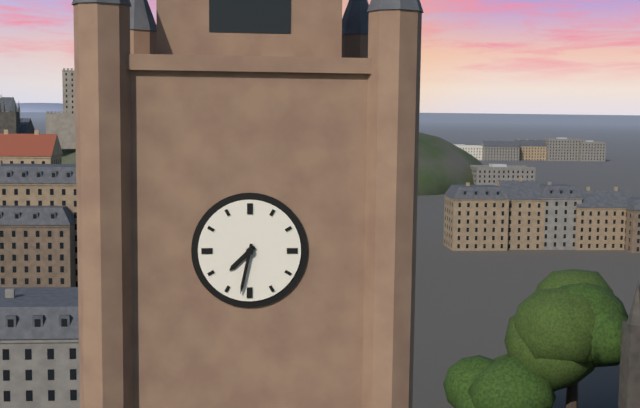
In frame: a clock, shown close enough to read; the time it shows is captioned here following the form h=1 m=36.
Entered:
h=7 m=32
